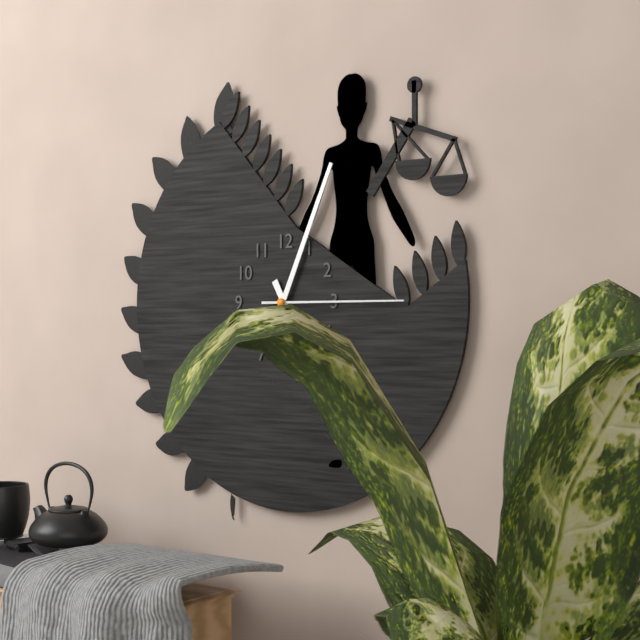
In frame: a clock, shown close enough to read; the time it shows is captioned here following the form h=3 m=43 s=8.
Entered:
h=5 m=4 s=15
